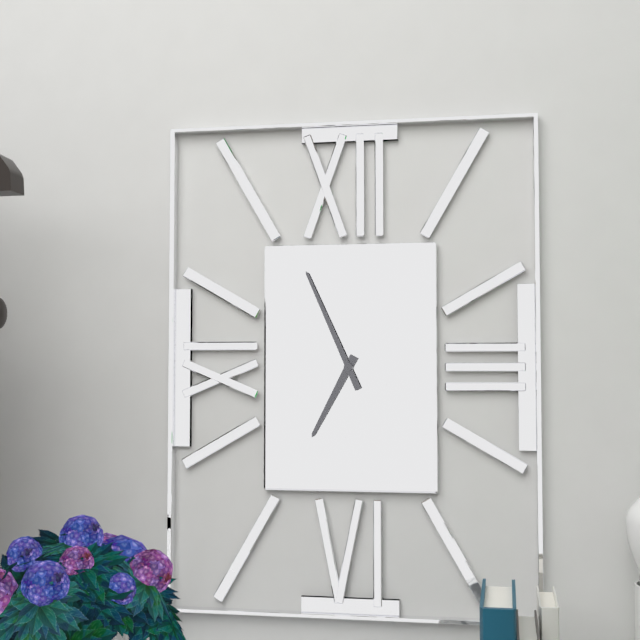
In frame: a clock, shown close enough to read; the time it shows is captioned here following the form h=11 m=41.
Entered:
h=6 m=56
